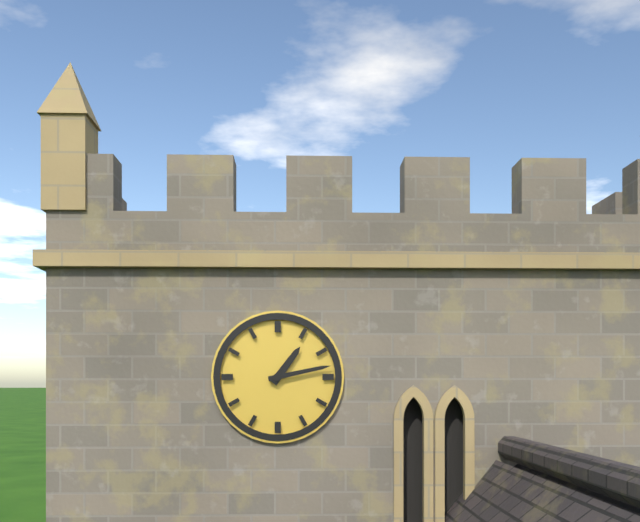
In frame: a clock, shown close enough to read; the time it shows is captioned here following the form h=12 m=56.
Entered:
h=1 m=13
